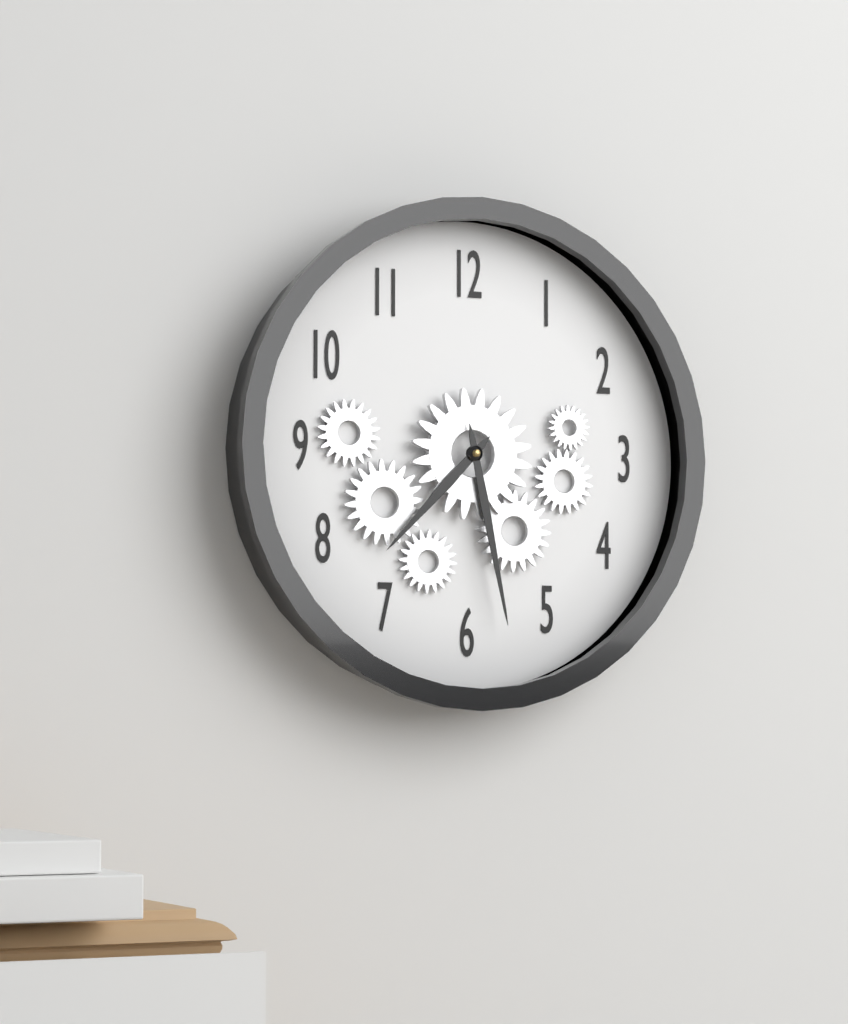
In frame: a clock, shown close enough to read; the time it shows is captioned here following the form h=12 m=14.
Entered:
h=7 m=28
